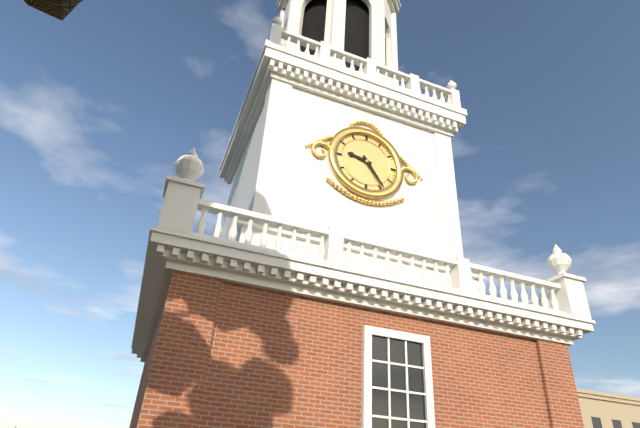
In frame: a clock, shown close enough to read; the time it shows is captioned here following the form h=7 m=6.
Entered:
h=9 m=24
